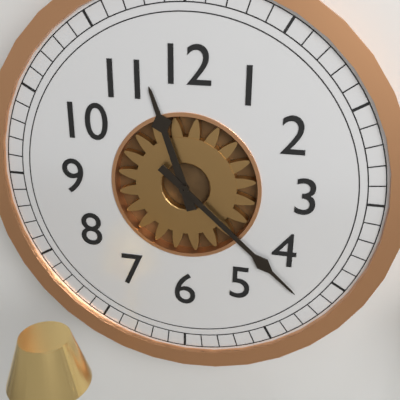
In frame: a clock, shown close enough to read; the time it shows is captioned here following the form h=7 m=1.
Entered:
h=11 m=22
